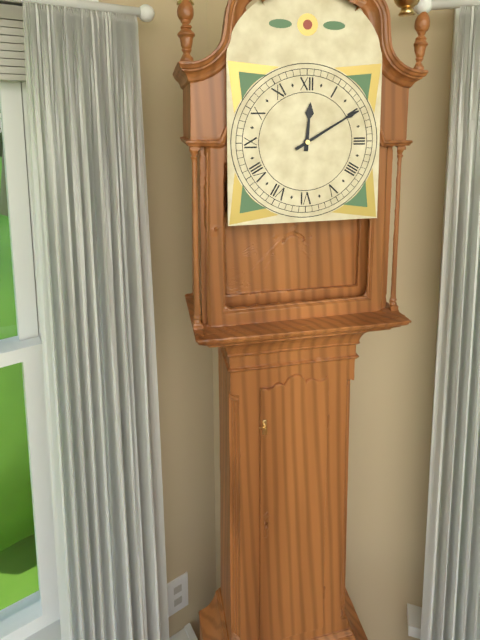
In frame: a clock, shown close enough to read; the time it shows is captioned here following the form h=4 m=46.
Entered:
h=12 m=10
